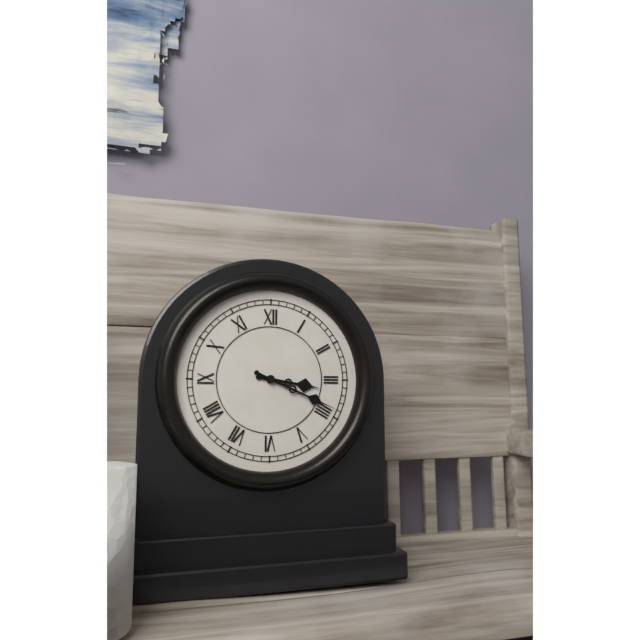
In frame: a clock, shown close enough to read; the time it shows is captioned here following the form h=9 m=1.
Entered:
h=3 m=19
